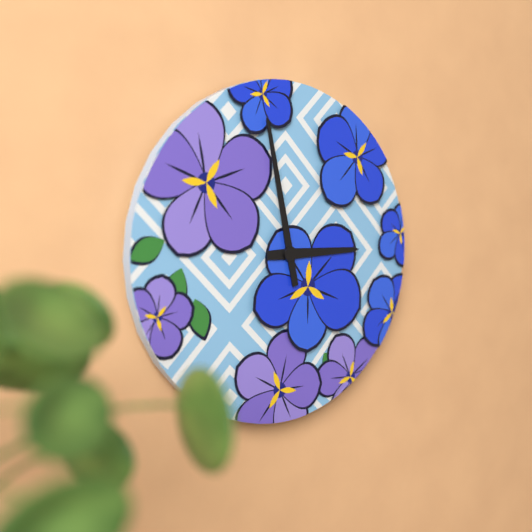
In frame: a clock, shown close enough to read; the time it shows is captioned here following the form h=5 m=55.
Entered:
h=2 m=58
